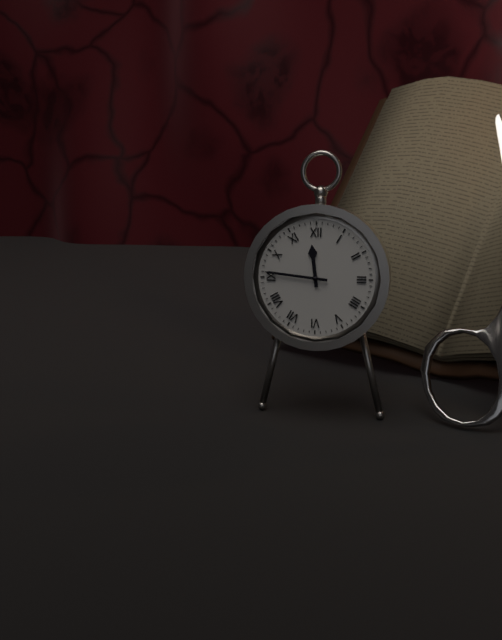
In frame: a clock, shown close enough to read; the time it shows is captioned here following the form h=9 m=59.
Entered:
h=11 m=46
